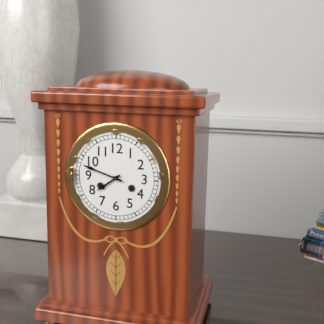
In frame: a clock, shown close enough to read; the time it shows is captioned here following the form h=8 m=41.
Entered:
h=7 m=48
